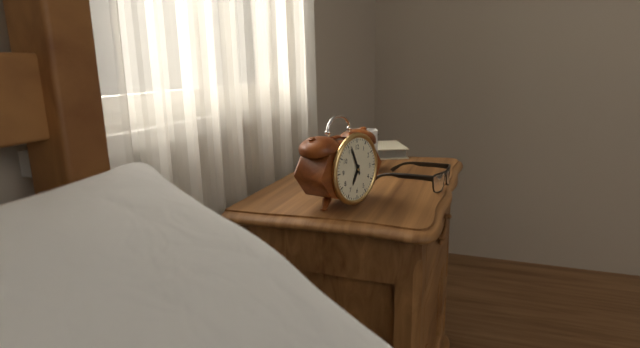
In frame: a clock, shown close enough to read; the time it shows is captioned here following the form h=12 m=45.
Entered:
h=6 m=56
